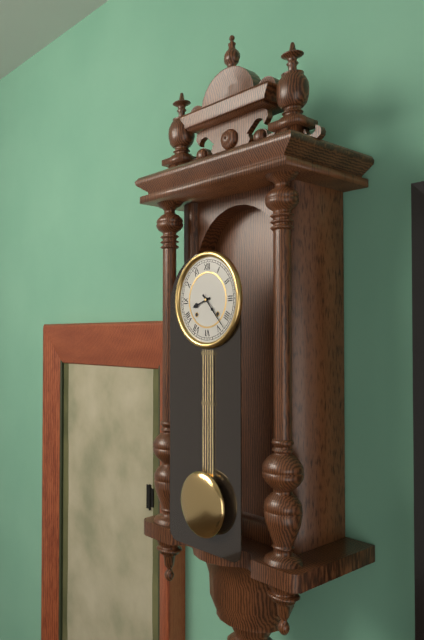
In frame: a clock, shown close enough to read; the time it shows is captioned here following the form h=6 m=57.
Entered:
h=8 m=23
